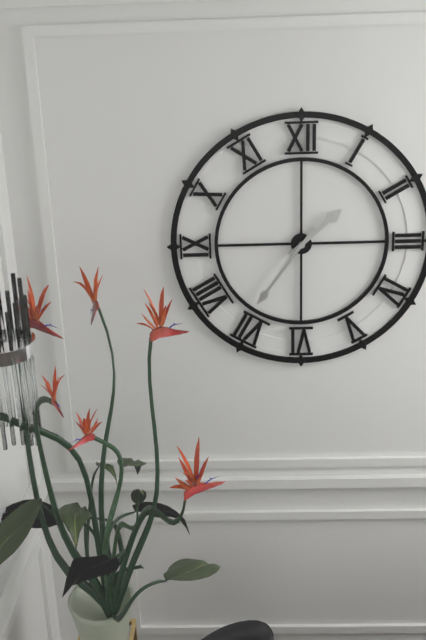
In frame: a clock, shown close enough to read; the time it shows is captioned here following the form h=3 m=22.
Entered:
h=1 m=36
